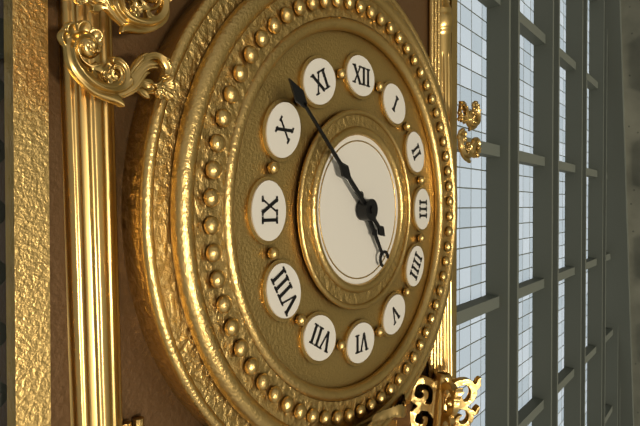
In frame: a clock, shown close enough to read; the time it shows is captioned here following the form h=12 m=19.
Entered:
h=4 m=52
